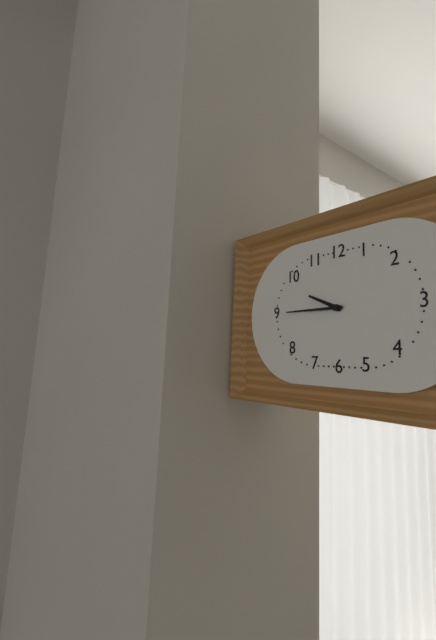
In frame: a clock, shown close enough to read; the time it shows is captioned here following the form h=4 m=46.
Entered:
h=9 m=45
